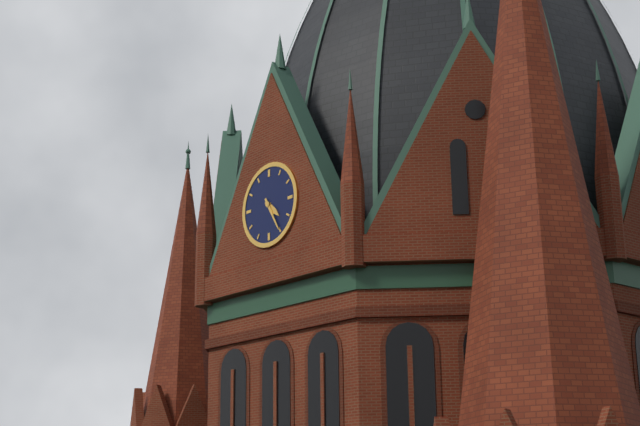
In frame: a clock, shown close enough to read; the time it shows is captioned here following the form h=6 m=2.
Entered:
h=4 m=25
